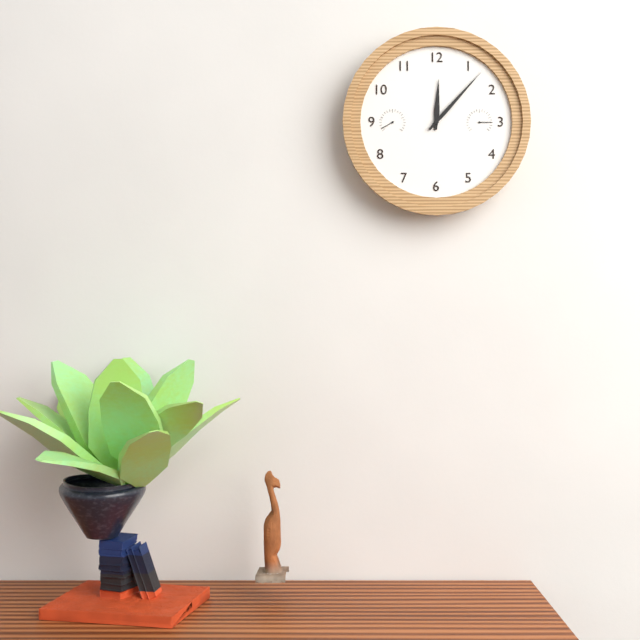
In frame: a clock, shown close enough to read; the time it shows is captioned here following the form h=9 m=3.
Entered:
h=12 m=7
